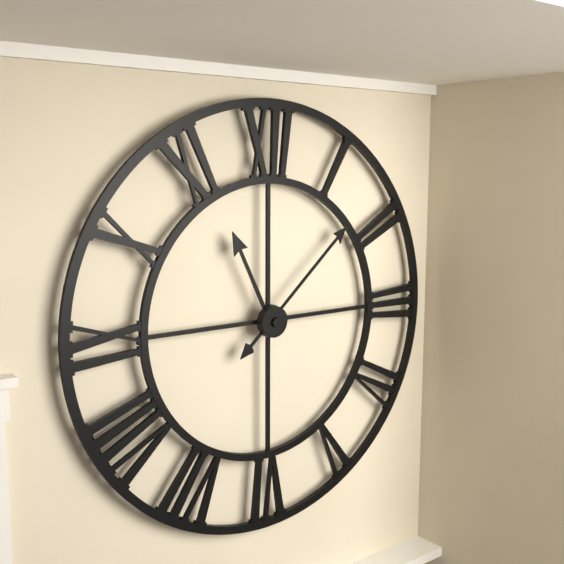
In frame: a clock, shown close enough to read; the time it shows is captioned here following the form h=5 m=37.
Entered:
h=11 m=8
